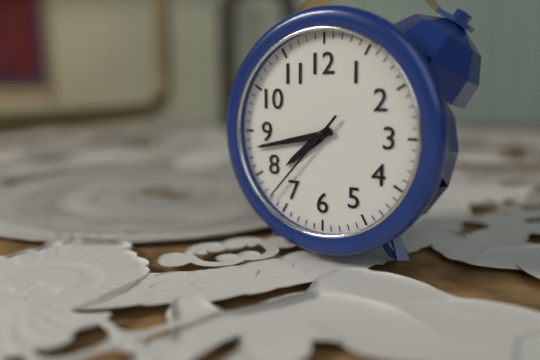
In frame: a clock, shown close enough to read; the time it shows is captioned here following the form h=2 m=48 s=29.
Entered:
h=7 m=43 s=37
